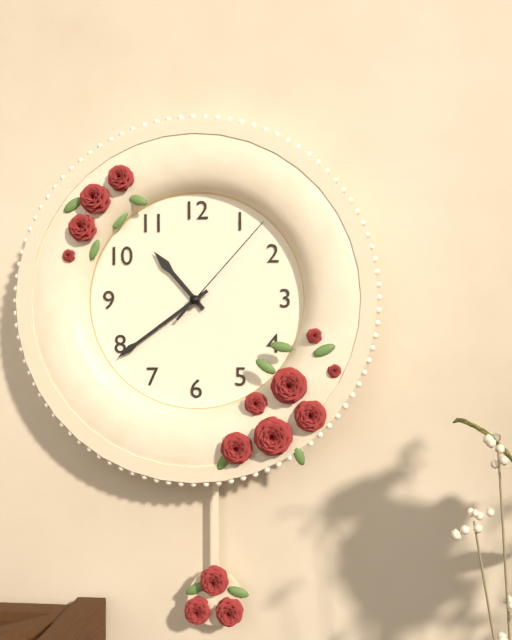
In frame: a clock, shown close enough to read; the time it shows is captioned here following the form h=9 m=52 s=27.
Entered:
h=10 m=39 s=7
